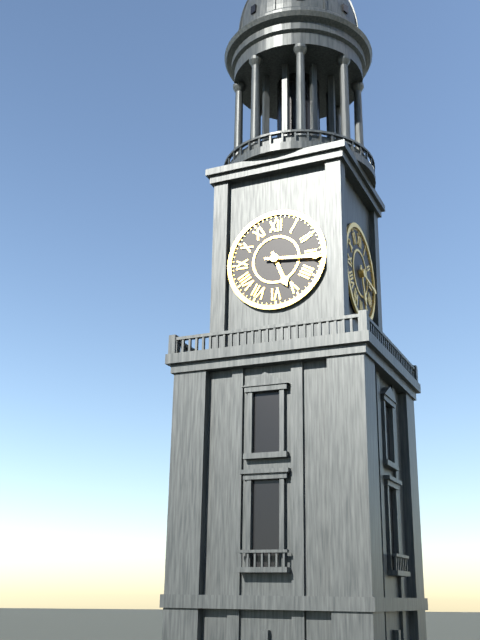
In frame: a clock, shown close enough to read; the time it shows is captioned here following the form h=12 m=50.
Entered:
h=5 m=16
